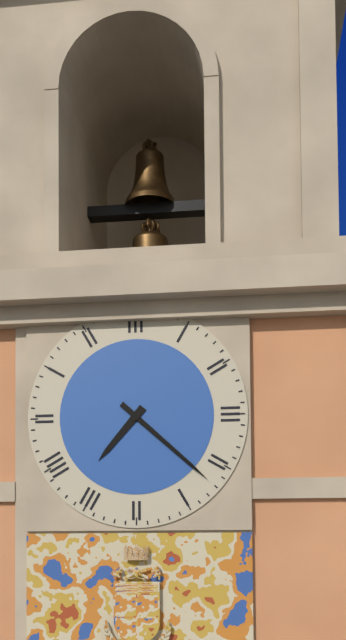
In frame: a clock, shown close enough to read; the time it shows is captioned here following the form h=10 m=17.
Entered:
h=7 m=22
